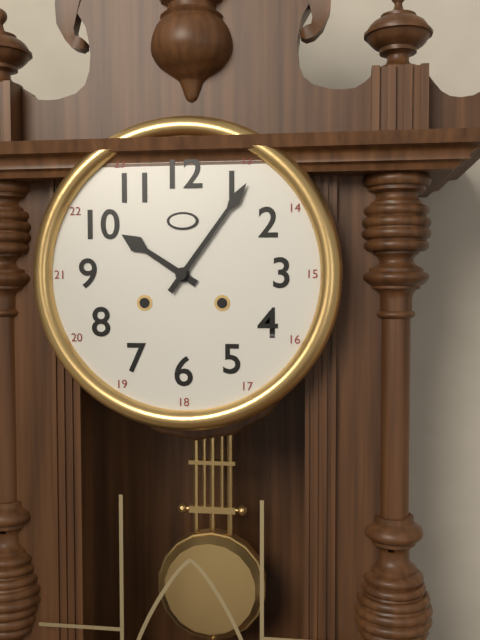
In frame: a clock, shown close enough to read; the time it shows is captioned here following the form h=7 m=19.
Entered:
h=10 m=6
